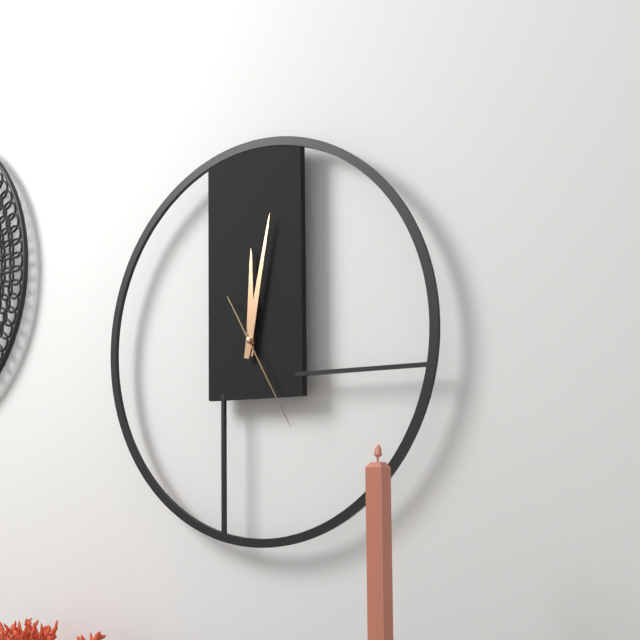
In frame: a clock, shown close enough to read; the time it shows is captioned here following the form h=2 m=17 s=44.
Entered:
h=12 m=2 s=25
